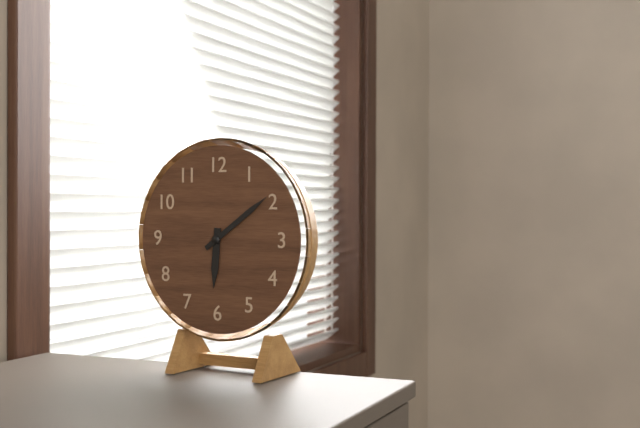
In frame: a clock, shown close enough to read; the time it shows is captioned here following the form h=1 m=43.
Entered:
h=6 m=9
